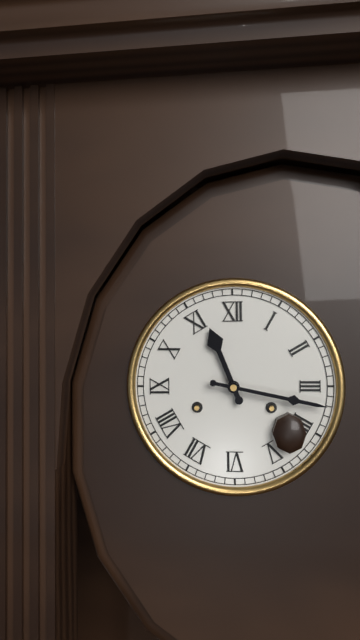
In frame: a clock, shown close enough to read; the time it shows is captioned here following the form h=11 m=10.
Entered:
h=11 m=17
